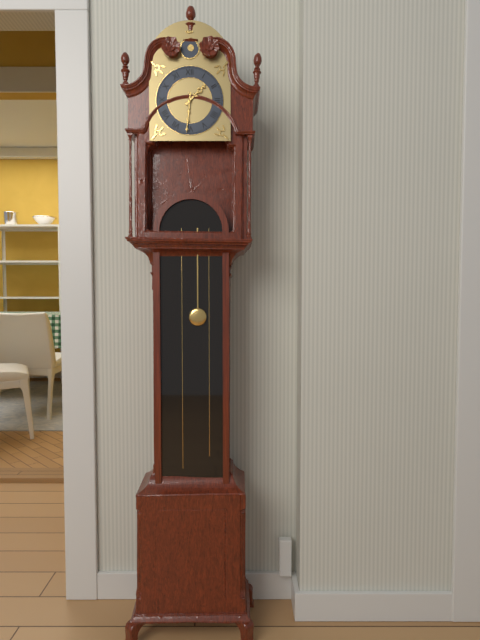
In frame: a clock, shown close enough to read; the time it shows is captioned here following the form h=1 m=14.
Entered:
h=1 m=31
